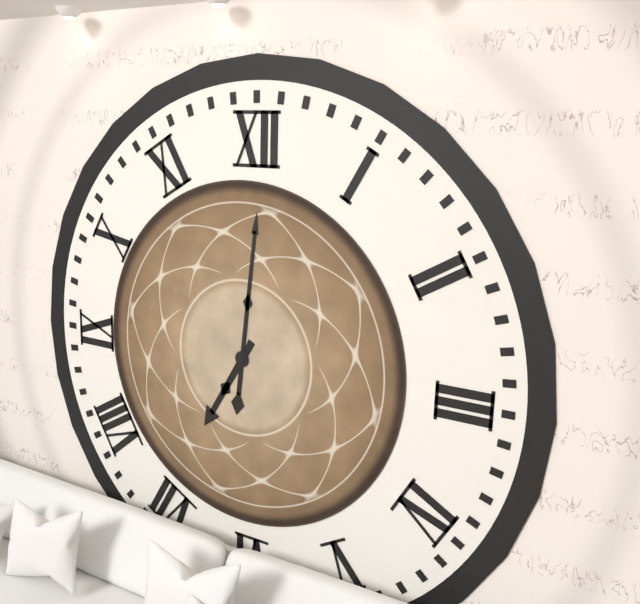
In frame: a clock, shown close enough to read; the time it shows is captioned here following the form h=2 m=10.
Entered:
h=7 m=1
